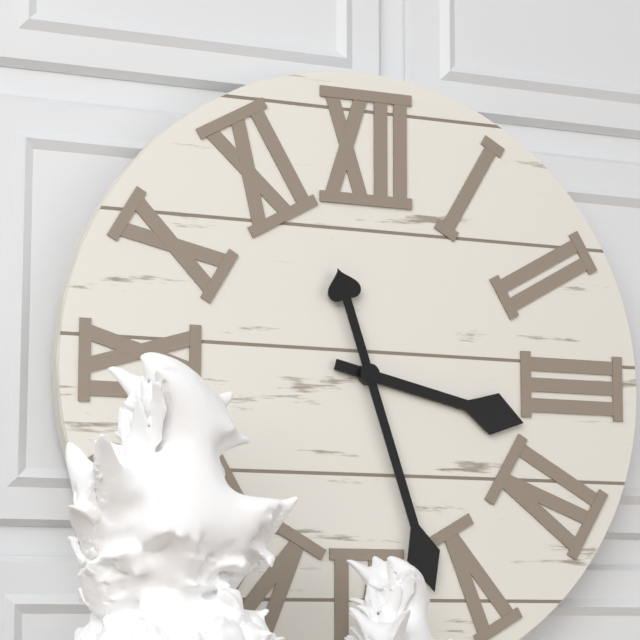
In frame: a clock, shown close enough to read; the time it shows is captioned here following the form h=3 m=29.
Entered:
h=3 m=27
